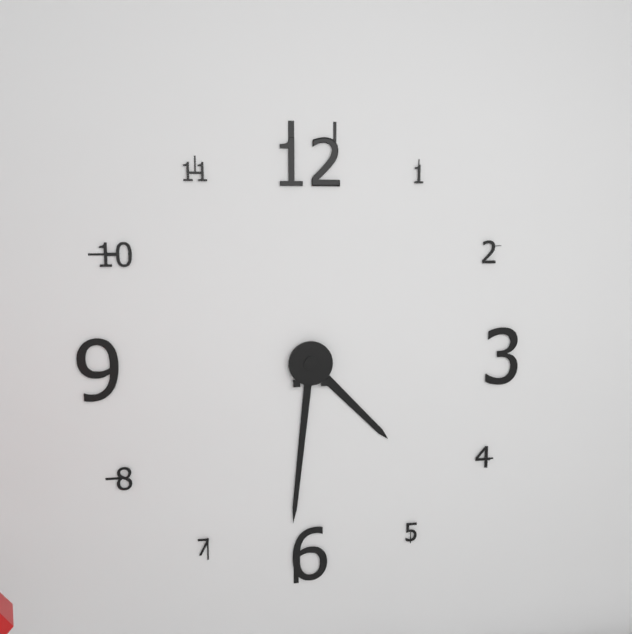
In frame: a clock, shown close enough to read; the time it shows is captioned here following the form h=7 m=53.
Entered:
h=4 m=31
